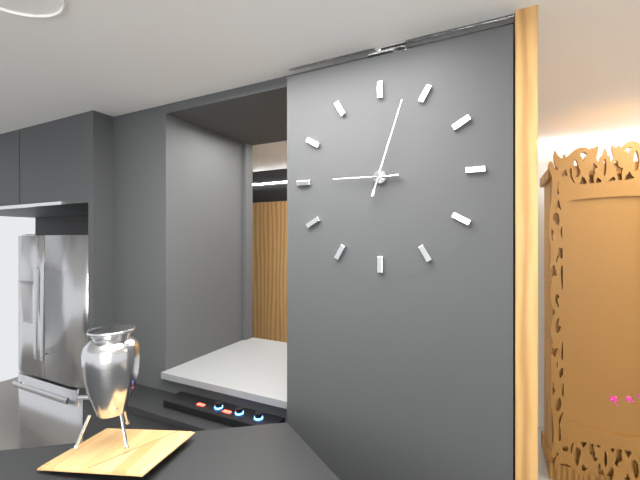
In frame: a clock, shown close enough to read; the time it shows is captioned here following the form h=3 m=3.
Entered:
h=9 m=3
